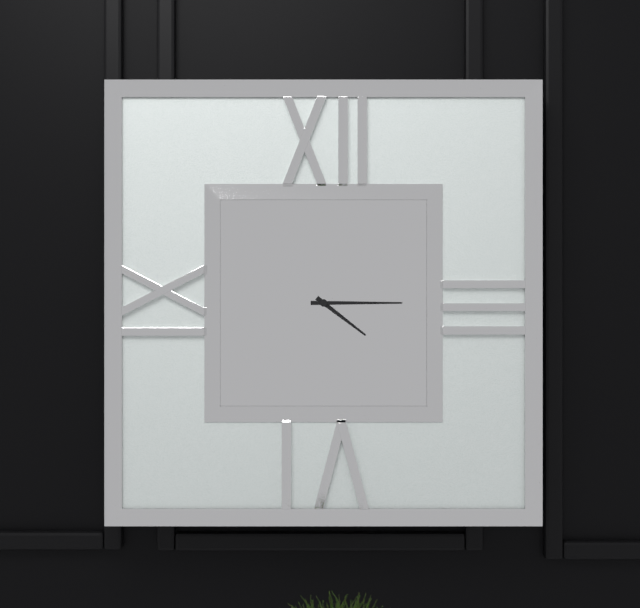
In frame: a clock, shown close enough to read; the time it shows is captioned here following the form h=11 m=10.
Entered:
h=4 m=15
